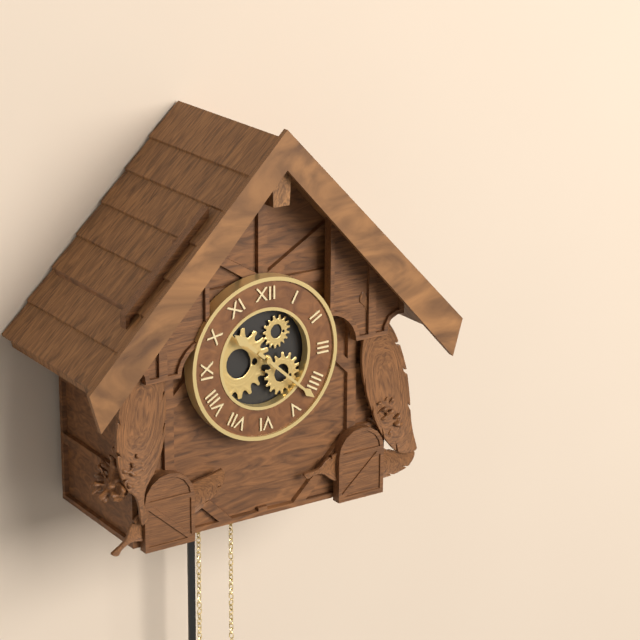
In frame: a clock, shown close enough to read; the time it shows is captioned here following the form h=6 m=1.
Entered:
h=10 m=22
